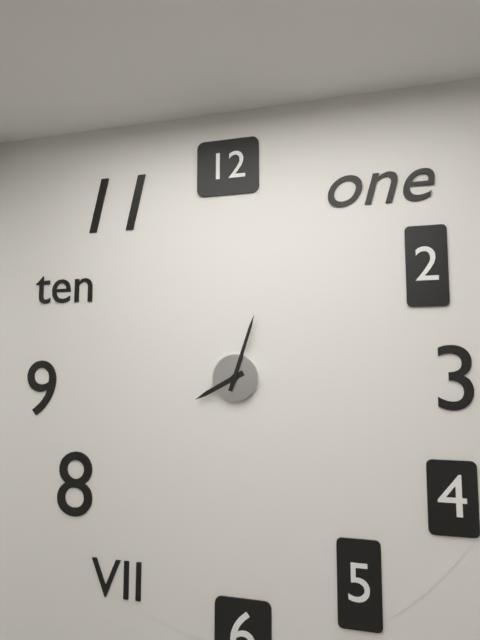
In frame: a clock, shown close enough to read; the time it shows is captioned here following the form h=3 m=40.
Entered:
h=8 m=3
